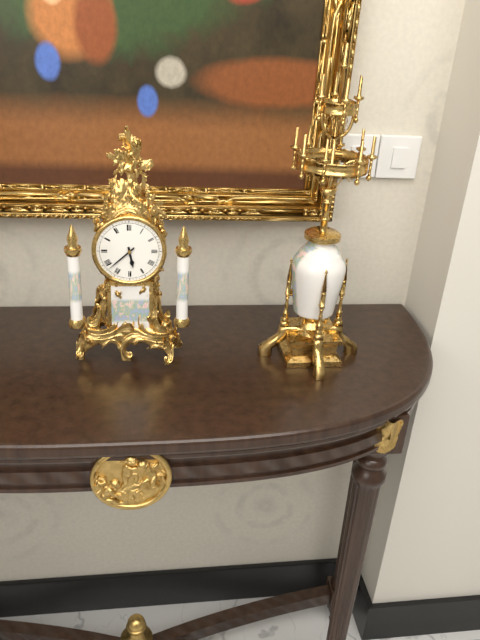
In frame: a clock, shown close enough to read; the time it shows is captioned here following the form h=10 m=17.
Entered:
h=5 m=38
